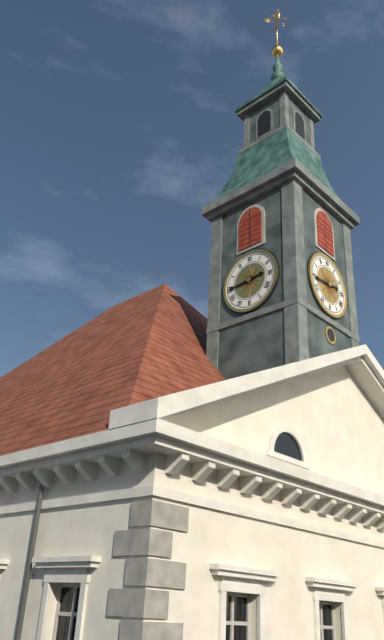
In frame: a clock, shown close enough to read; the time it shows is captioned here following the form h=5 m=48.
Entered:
h=2 m=44
